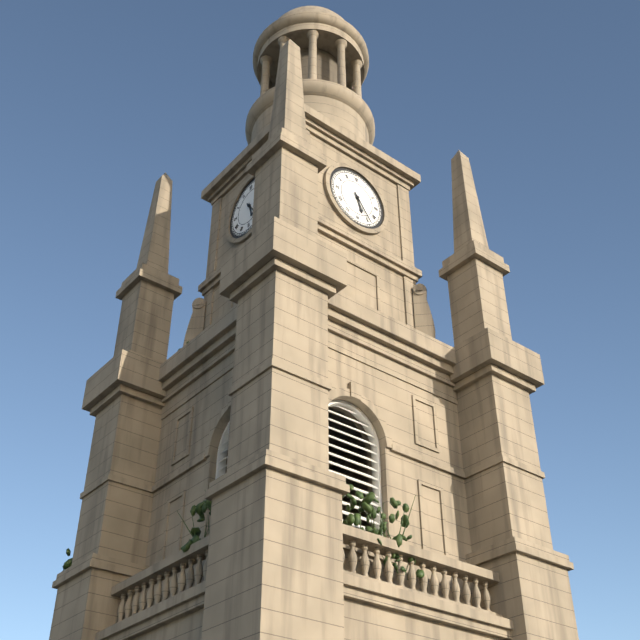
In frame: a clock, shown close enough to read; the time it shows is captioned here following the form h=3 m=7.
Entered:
h=5 m=24
